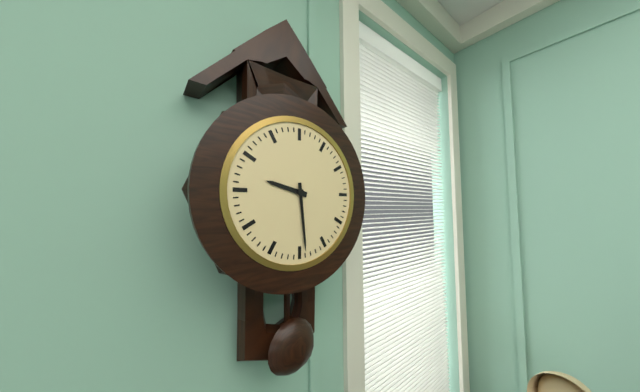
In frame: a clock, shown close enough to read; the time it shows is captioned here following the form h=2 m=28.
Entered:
h=9 m=29
